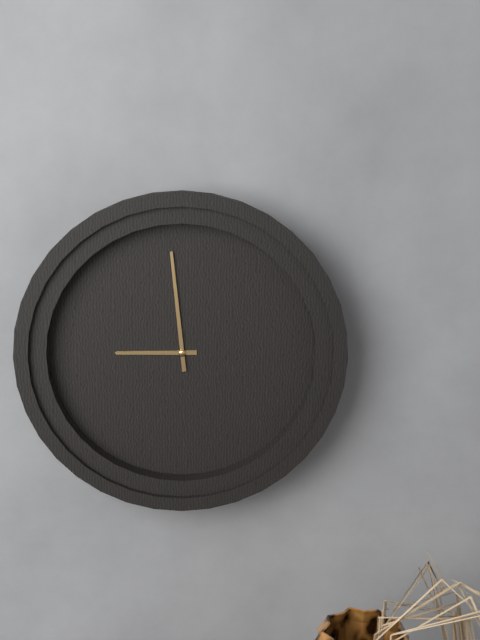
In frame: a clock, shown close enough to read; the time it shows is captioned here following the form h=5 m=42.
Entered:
h=8 m=59
